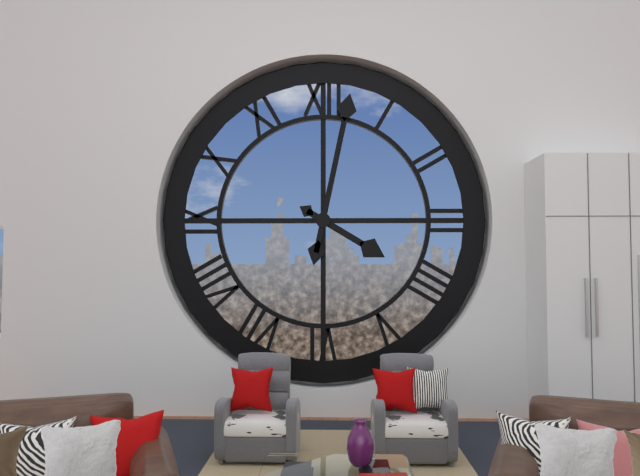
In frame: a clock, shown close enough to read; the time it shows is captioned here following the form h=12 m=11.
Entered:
h=4 m=2
